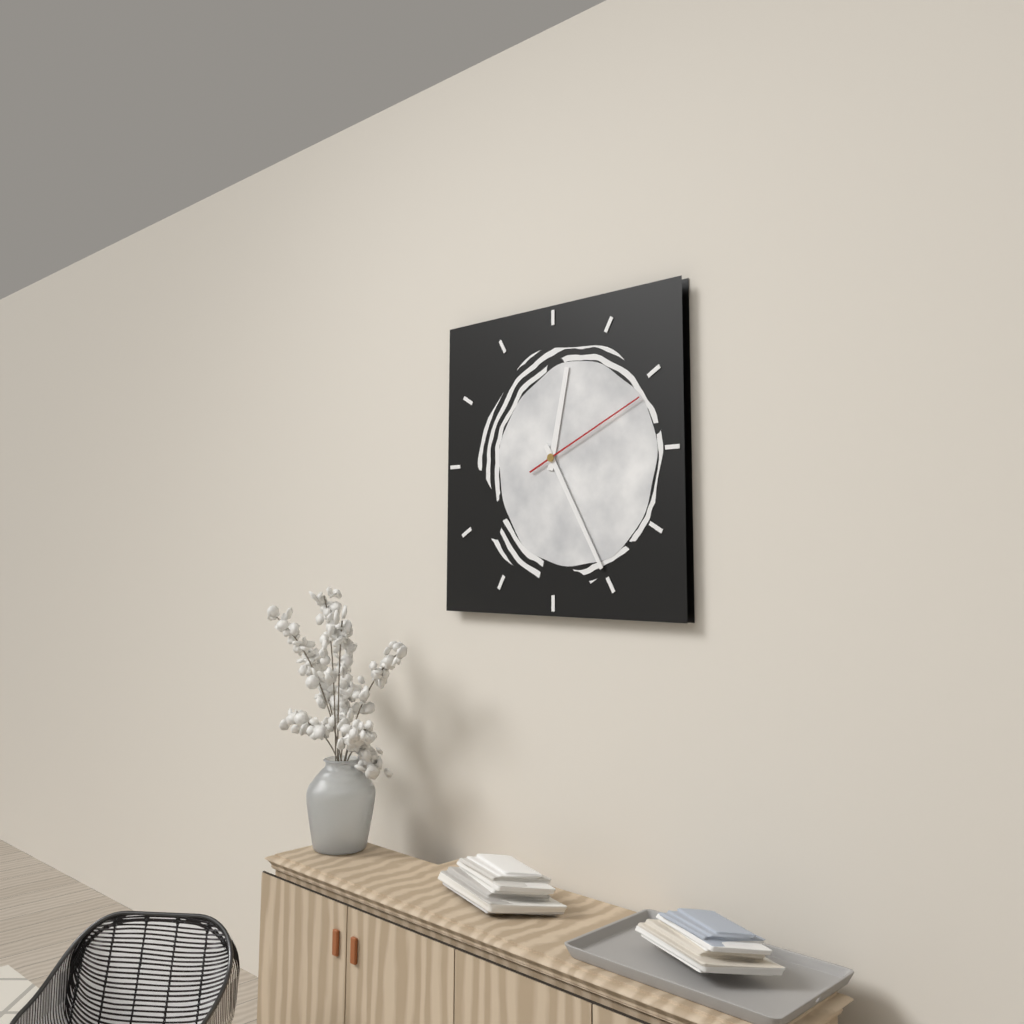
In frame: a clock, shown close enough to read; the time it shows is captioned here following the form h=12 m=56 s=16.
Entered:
h=12 m=25 s=11
